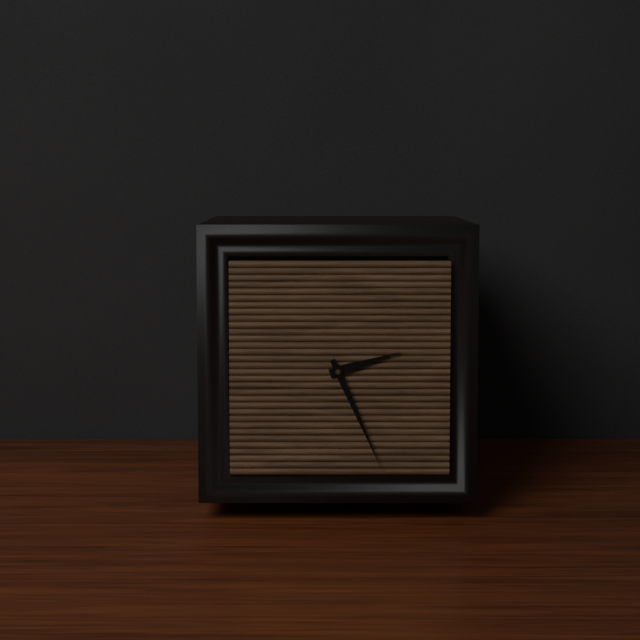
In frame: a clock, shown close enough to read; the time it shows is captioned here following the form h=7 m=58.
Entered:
h=2 m=26
